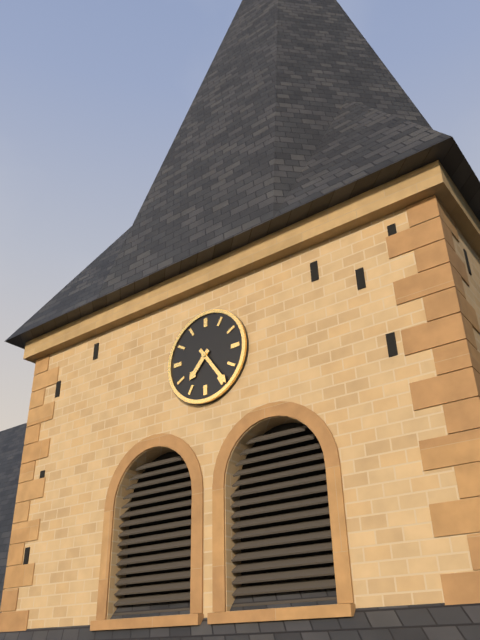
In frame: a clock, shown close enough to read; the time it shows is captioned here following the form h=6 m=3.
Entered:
h=7 m=24
